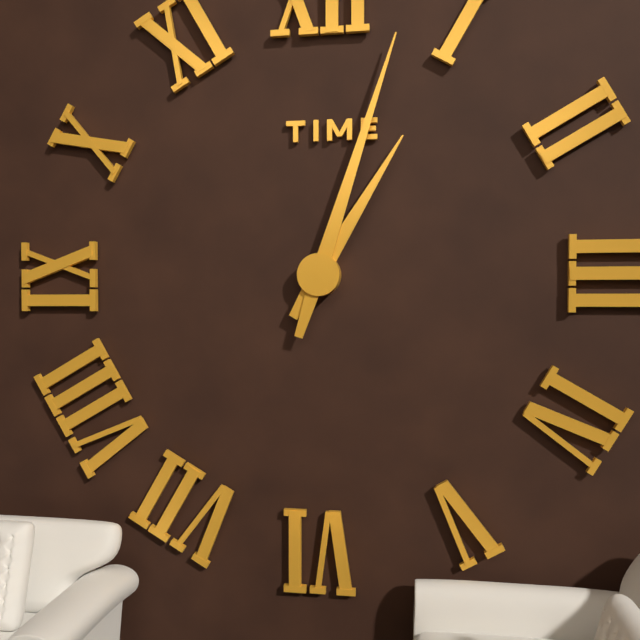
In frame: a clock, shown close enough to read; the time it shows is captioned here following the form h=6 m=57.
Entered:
h=1 m=3
